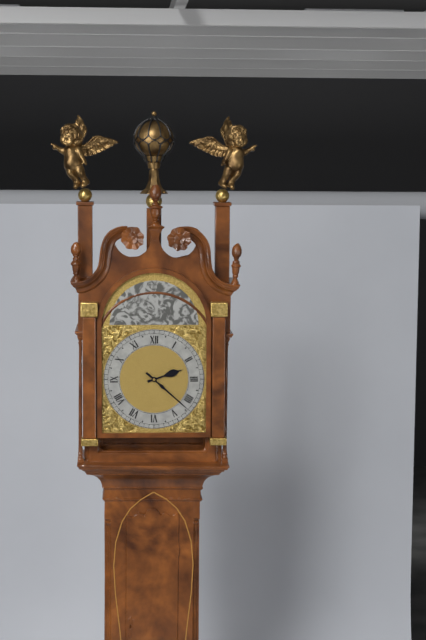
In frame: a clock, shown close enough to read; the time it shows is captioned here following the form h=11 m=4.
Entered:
h=2 m=22
